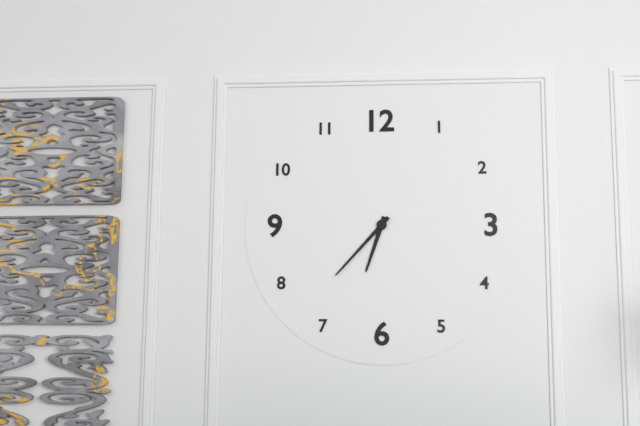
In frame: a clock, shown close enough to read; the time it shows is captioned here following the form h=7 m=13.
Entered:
h=6 m=37
